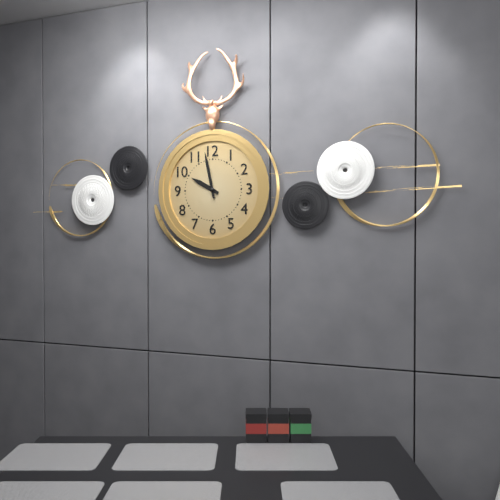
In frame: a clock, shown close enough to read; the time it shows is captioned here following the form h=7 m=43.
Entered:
h=9 m=58
